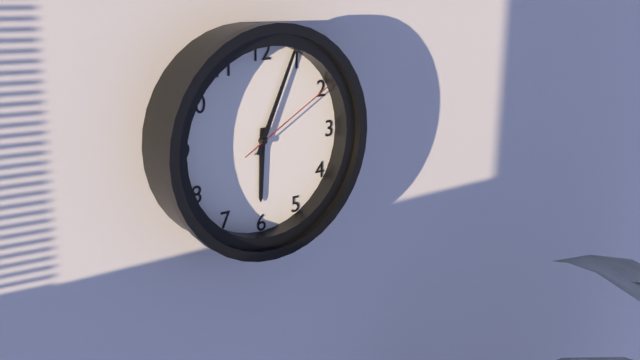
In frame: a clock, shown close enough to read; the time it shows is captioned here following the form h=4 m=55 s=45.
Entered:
h=6 m=4 s=10
